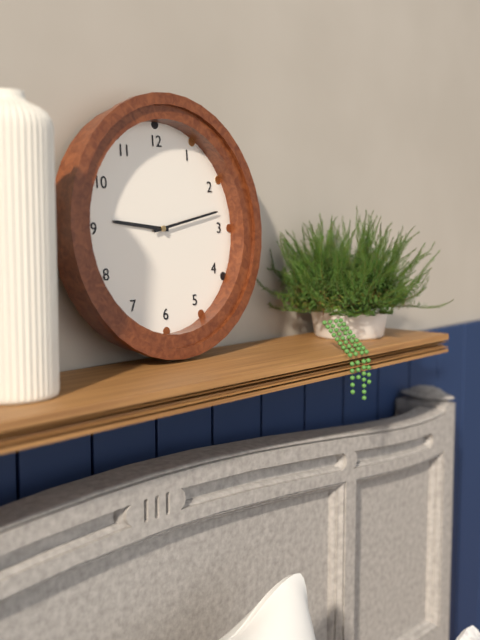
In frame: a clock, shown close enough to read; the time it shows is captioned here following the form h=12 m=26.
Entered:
h=9 m=13
